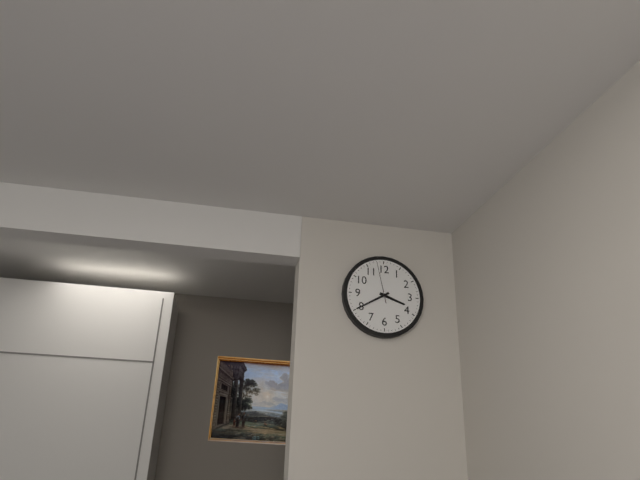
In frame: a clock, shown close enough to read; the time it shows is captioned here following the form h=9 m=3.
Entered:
h=3 m=40
